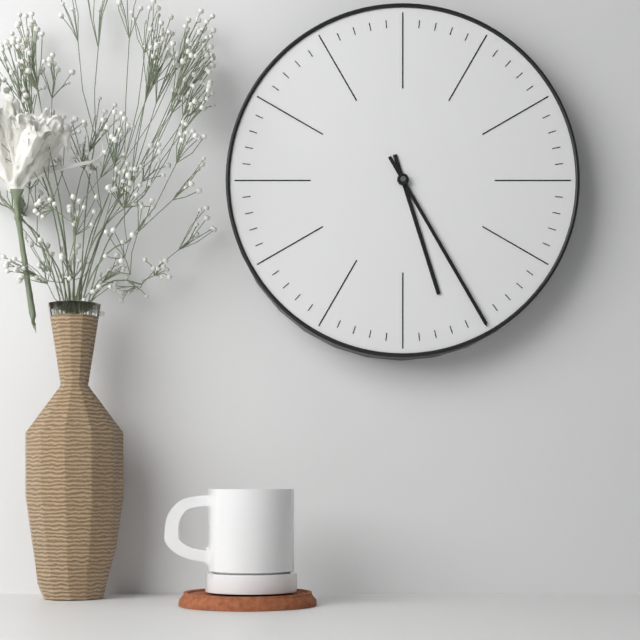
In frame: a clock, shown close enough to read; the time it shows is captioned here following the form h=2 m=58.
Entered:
h=5 m=25
